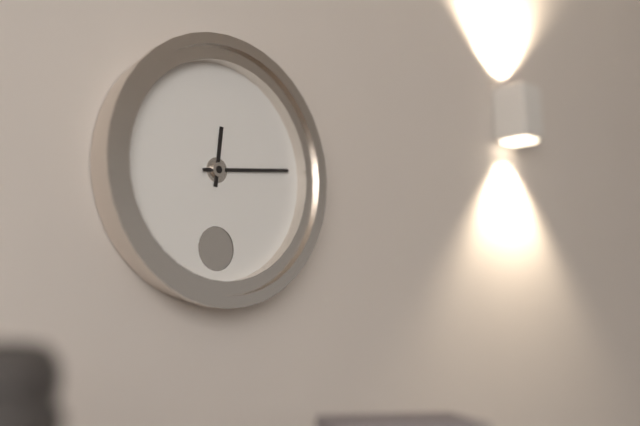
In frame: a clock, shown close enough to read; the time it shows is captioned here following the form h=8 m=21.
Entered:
h=12 m=14
